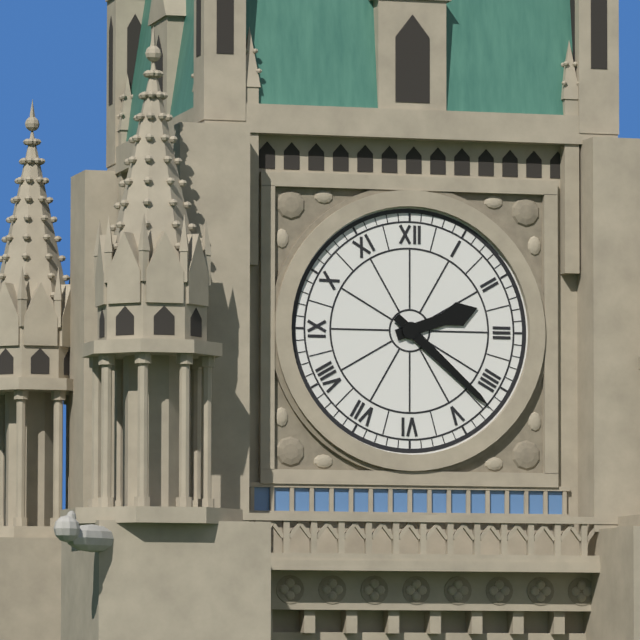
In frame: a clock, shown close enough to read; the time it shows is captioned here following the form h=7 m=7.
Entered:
h=2 m=22
